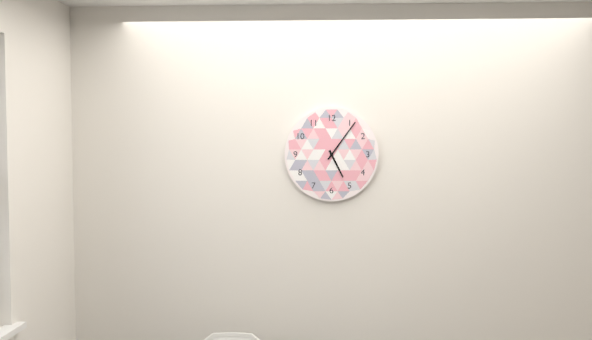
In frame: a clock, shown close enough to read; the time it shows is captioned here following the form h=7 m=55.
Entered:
h=5 m=6
